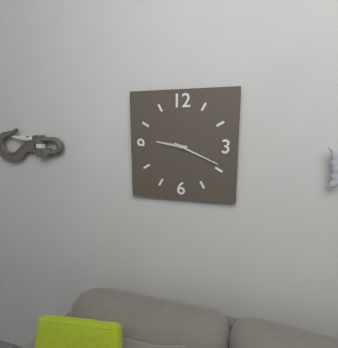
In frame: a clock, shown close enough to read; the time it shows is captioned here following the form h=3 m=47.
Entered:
h=9 m=19
